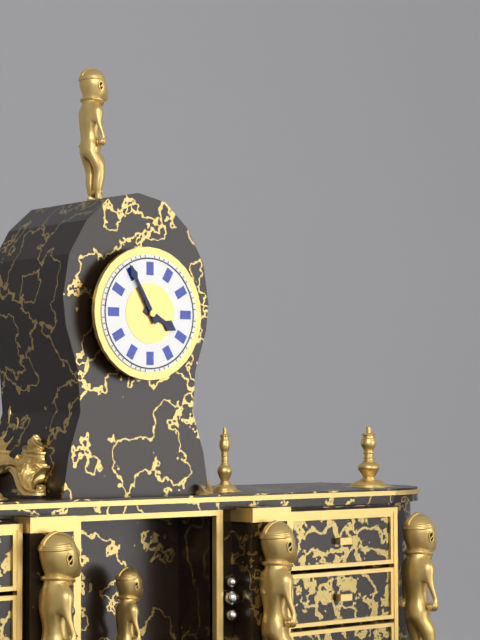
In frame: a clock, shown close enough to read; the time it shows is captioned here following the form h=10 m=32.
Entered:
h=3 m=55
